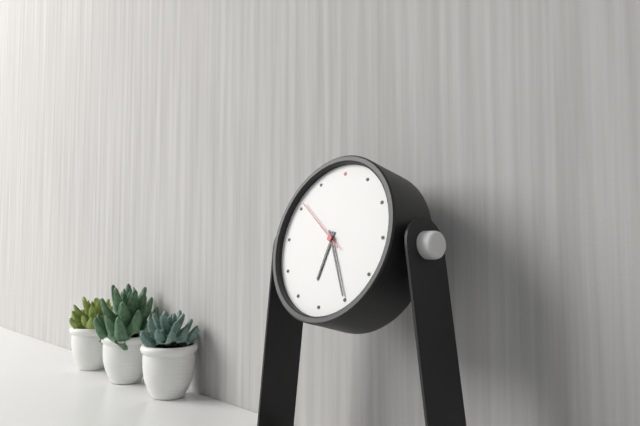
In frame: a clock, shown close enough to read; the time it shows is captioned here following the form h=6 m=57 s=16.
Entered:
h=6 m=25 s=51
